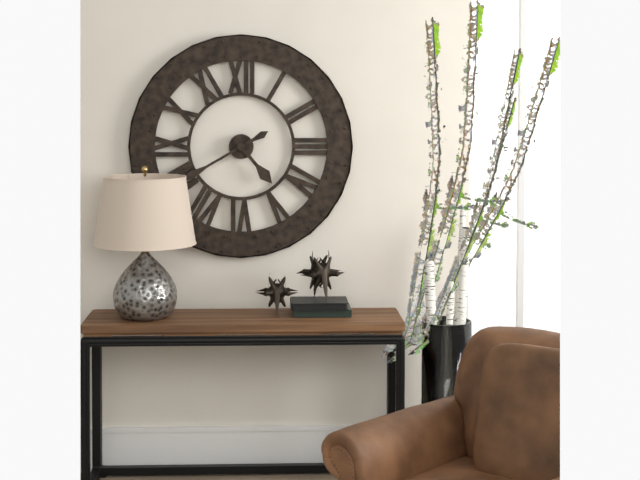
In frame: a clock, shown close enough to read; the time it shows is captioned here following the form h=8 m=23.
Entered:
h=4 m=40
